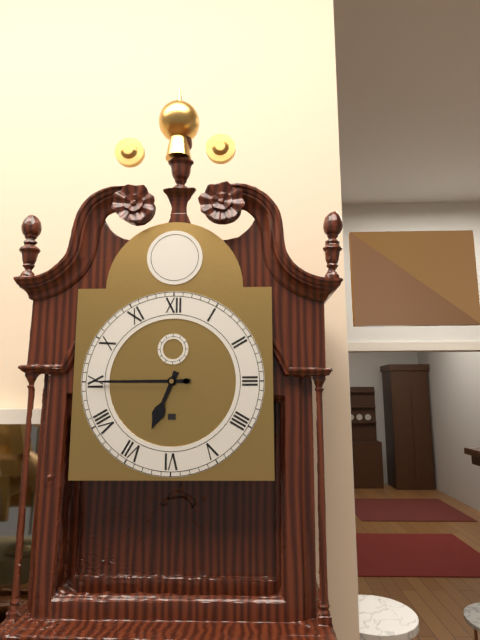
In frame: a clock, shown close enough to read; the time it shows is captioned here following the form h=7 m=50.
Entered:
h=6 m=45
